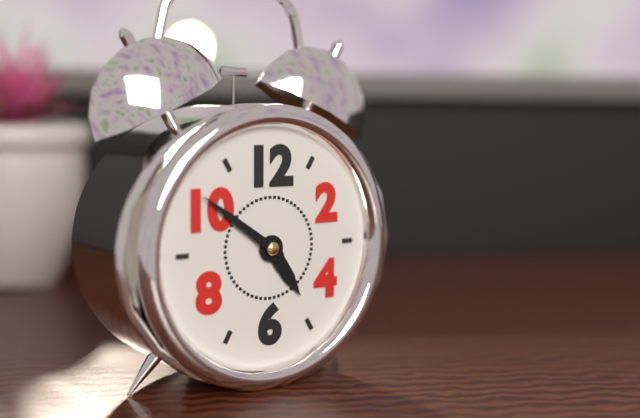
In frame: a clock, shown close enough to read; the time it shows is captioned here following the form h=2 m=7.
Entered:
h=4 m=51
